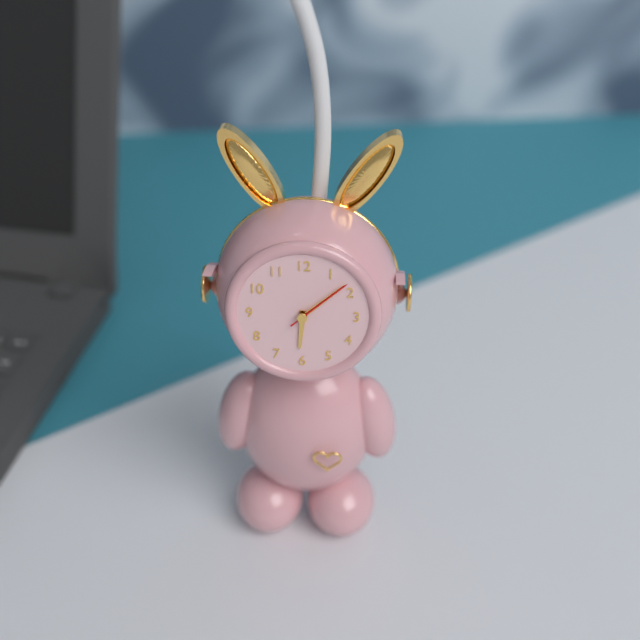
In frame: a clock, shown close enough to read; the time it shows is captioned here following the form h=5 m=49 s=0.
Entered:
h=6 m=8 s=8
